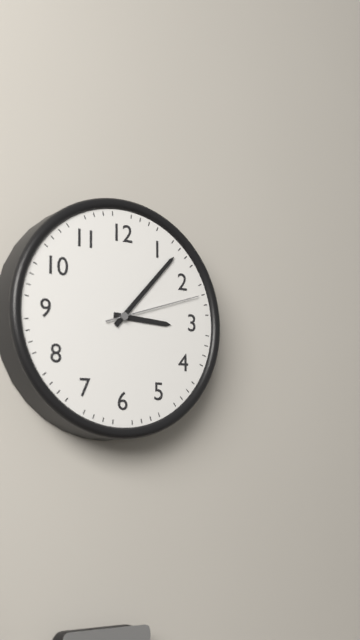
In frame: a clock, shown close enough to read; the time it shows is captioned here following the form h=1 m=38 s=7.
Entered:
h=3 m=7 s=12
